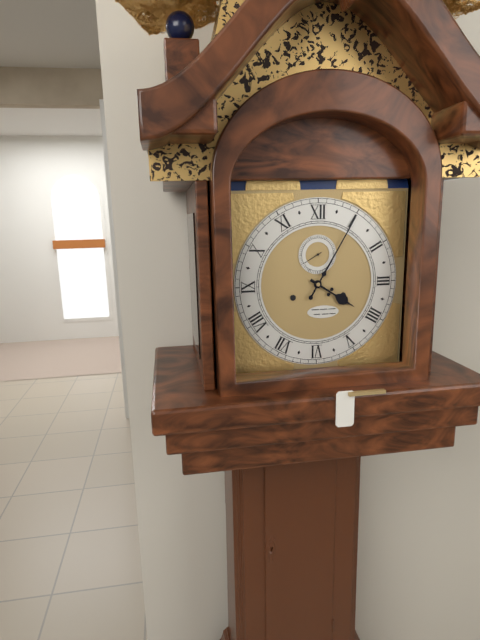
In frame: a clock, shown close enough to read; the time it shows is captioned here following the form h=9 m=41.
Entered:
h=4 m=5
